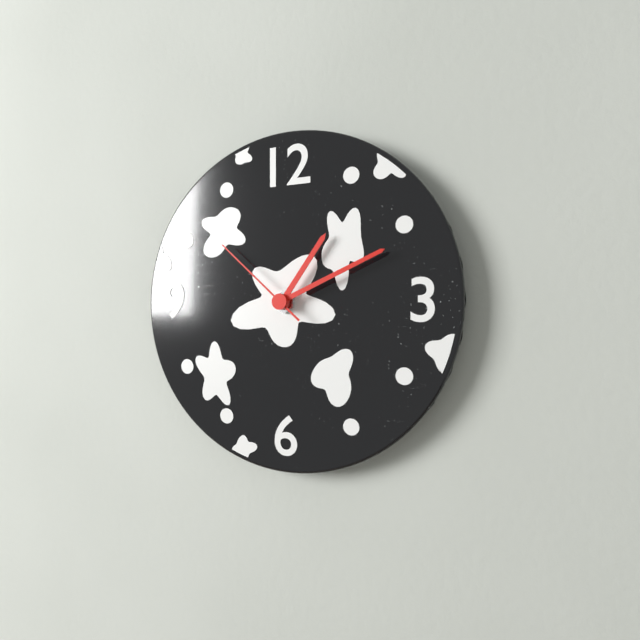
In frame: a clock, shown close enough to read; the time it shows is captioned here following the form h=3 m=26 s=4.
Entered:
h=1 m=11 s=52
